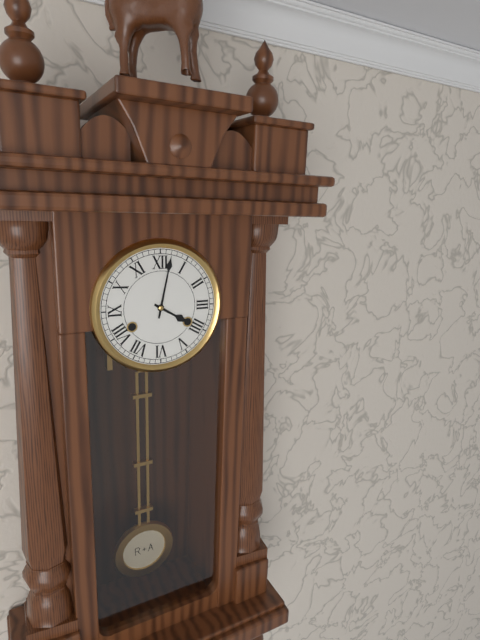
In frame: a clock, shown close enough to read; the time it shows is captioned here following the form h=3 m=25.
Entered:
h=4 m=2
